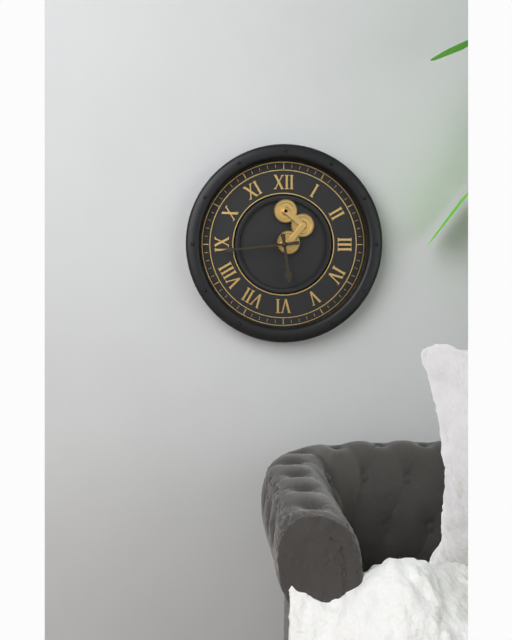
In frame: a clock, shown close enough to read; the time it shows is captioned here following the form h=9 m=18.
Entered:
h=5 m=44
